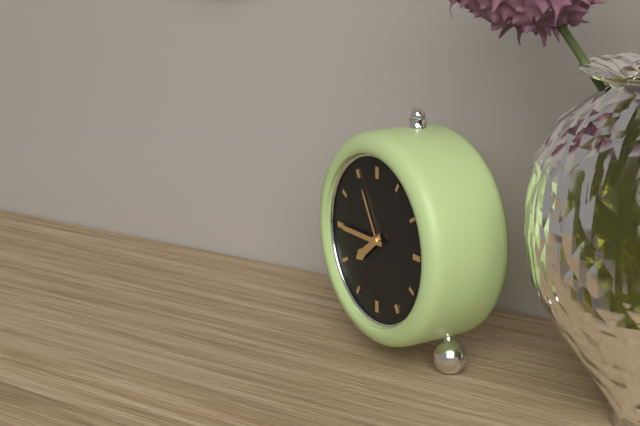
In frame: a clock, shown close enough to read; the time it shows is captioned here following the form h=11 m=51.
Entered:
h=7 m=45
